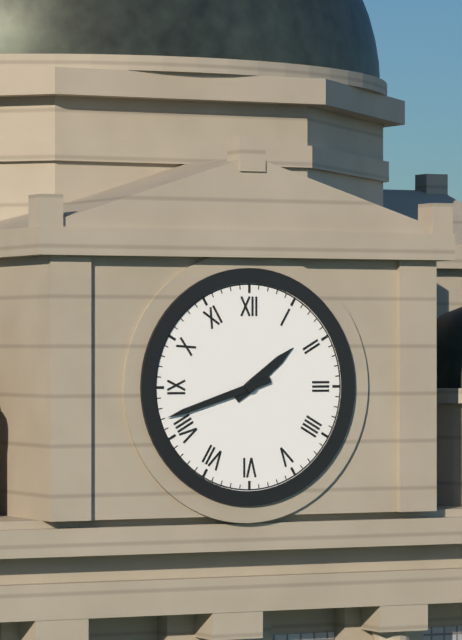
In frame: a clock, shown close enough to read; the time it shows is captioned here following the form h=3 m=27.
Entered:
h=1 m=42
